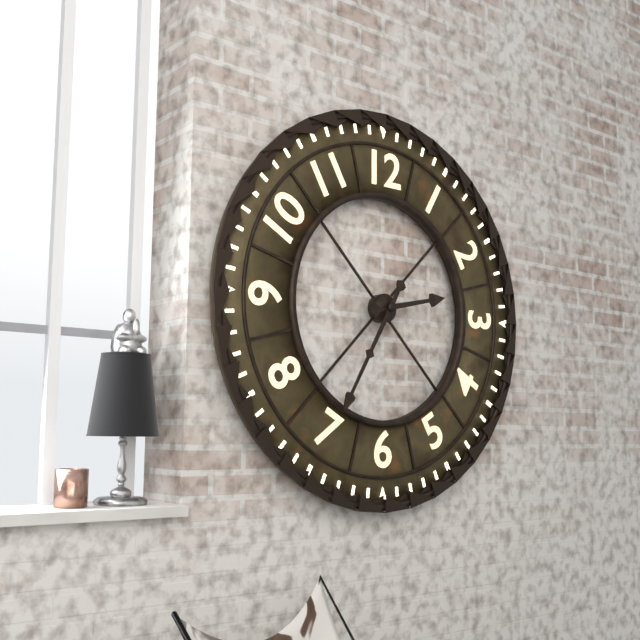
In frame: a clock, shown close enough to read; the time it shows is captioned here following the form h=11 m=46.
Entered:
h=2 m=35
